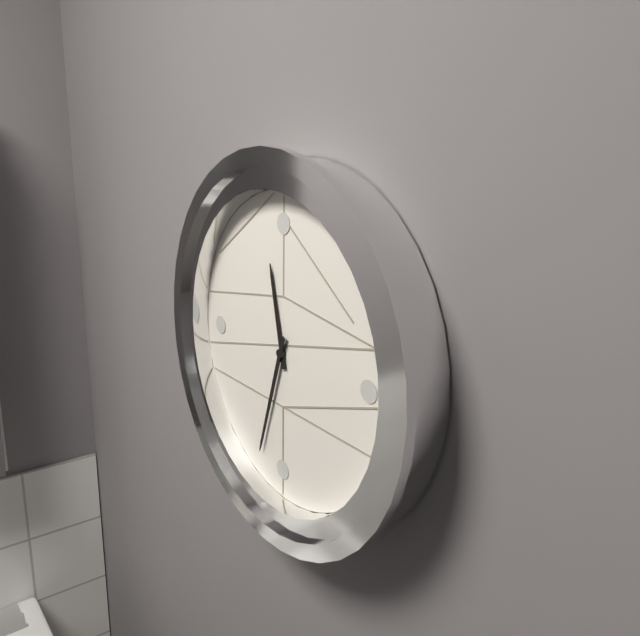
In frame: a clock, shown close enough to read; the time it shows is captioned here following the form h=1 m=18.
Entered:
h=11 m=33
